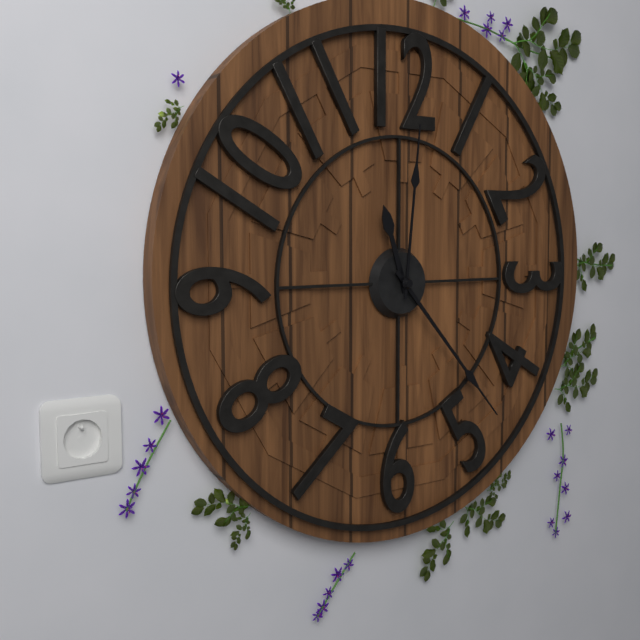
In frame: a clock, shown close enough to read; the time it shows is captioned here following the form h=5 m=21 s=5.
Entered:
h=11 m=23 s=1
